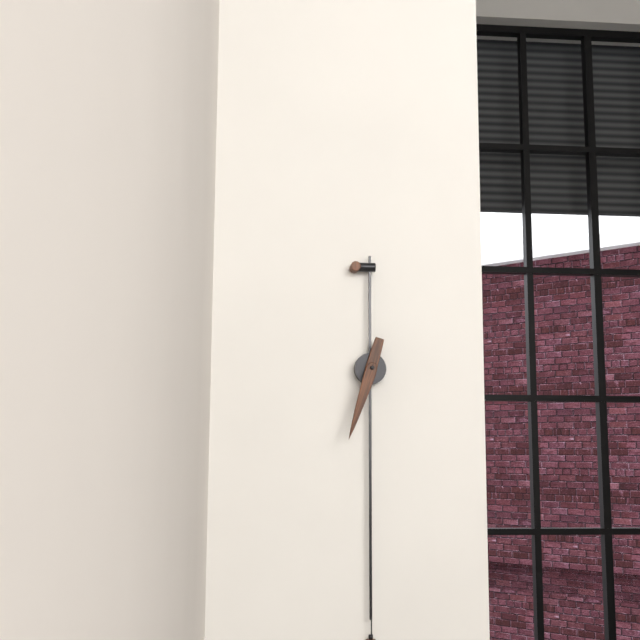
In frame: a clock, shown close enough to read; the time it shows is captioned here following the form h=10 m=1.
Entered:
h=6 m=33
